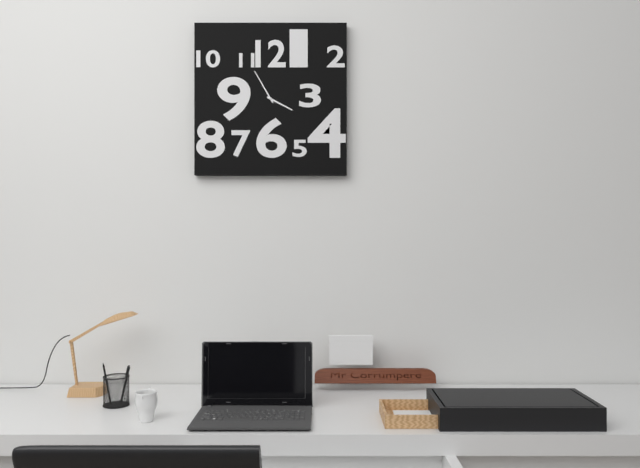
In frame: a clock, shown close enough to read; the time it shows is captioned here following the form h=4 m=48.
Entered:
h=3 m=55
